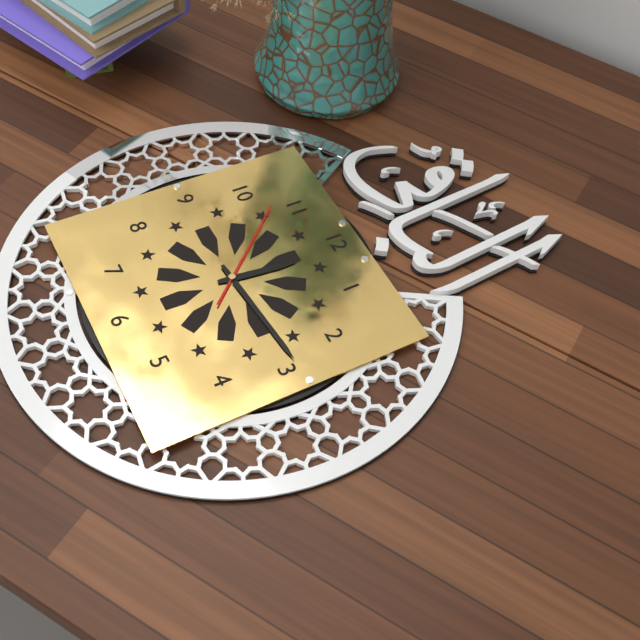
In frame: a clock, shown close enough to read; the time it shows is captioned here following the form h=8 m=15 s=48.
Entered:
h=12 m=14 s=53
